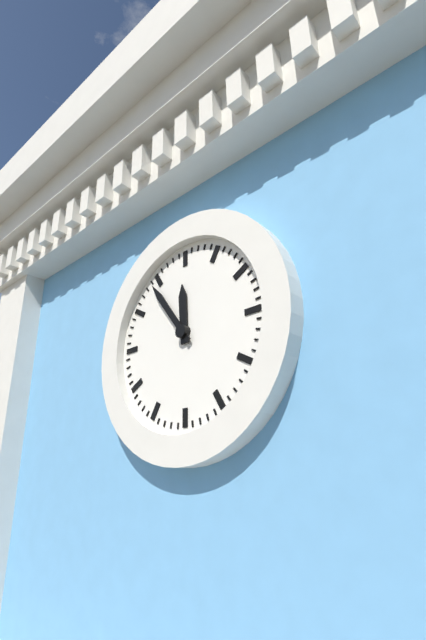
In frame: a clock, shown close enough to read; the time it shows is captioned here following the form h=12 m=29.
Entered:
h=11 m=54
